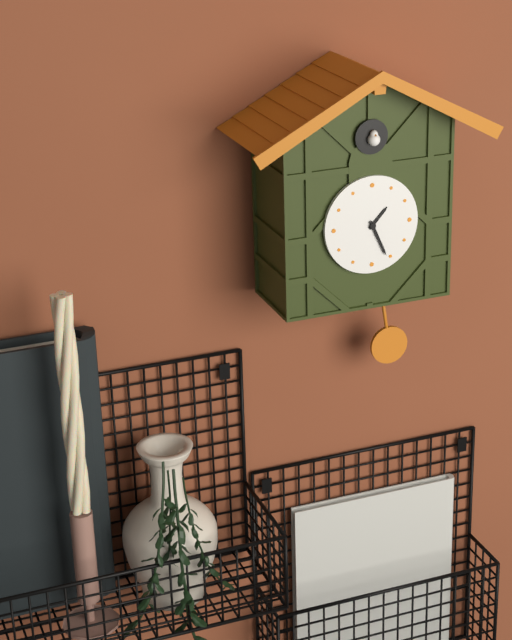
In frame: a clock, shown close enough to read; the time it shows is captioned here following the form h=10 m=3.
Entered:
h=1 m=26
